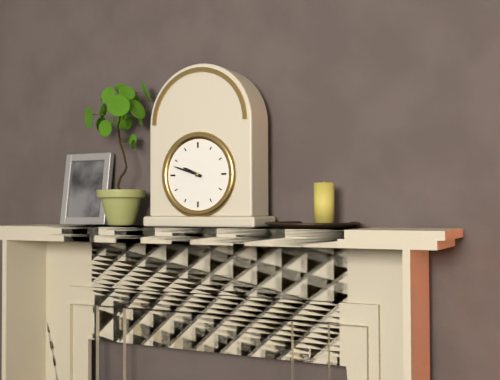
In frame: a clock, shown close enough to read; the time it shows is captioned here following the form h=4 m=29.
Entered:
h=9 m=48
